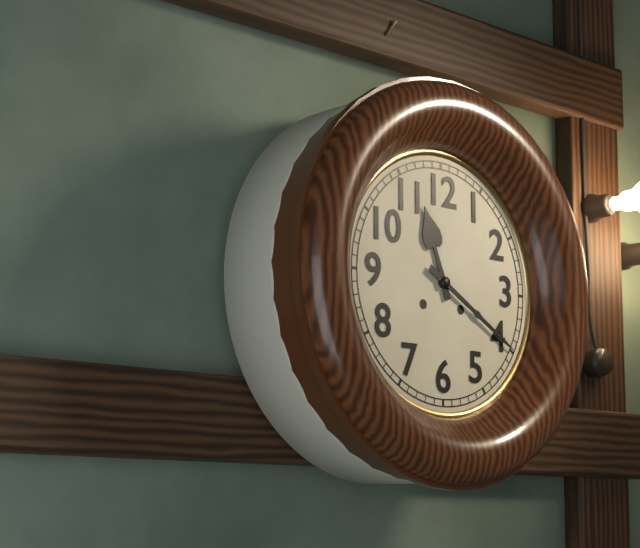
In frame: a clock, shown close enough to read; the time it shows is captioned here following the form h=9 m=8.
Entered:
h=11 m=20
